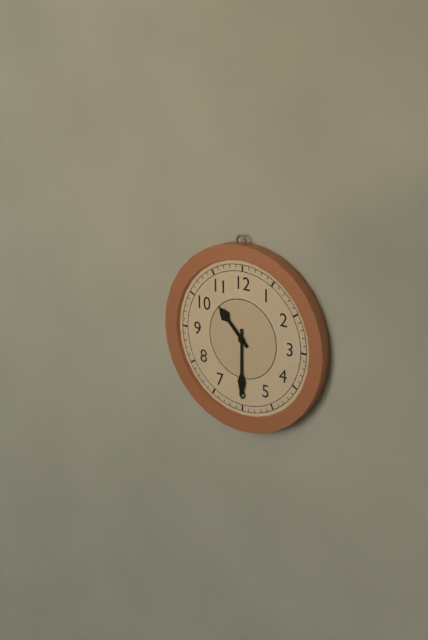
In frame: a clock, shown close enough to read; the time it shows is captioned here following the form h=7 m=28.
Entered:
h=10 m=30
